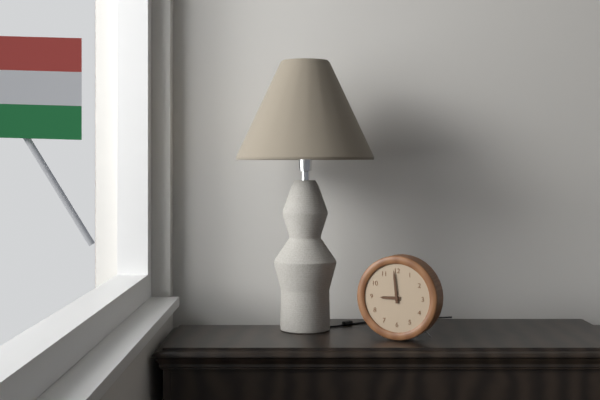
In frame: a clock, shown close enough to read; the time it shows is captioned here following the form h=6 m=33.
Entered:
h=8 m=59
